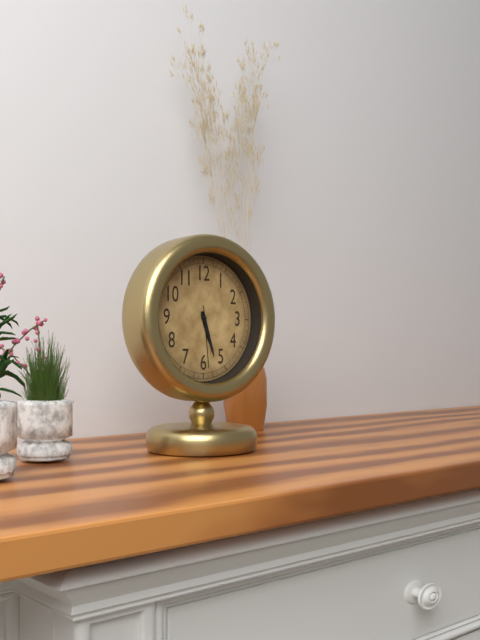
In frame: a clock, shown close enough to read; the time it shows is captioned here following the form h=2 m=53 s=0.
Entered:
h=5 m=27 s=29
